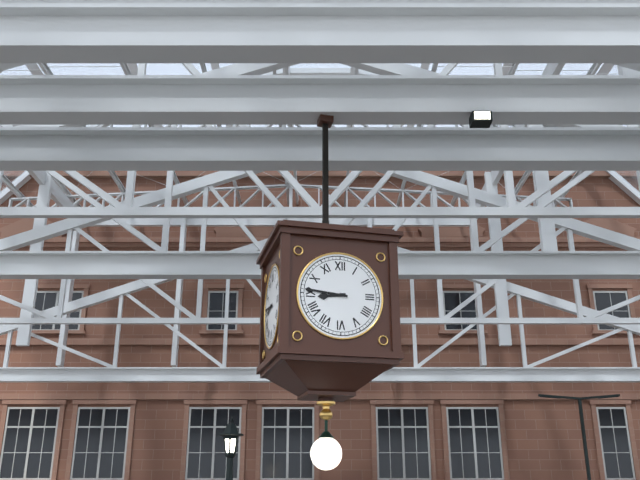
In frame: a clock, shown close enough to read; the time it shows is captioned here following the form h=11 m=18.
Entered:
h=8 m=46
